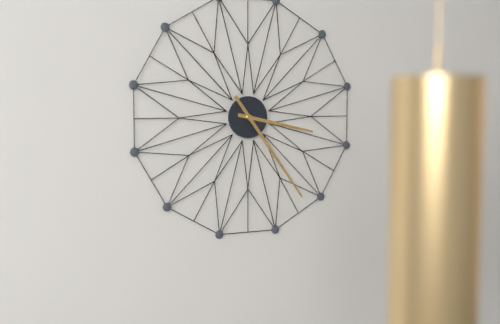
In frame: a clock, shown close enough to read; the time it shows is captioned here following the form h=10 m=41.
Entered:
h=3 m=24
